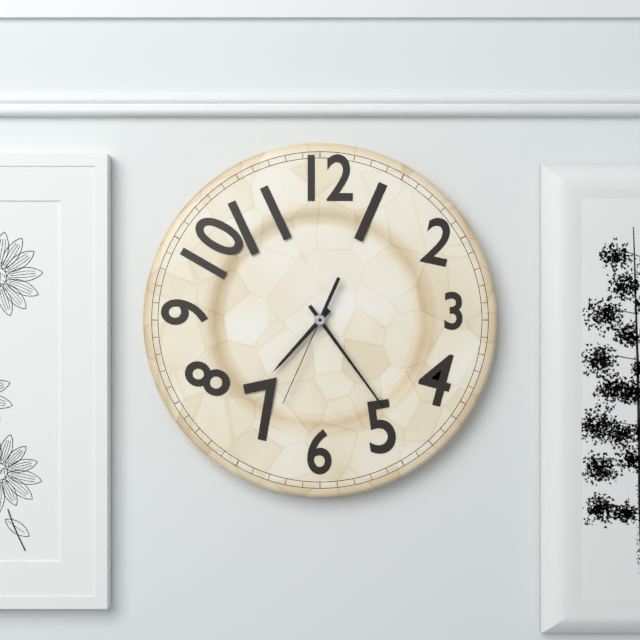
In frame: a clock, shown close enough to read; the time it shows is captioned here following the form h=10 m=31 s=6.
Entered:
h=7 m=24 s=34
